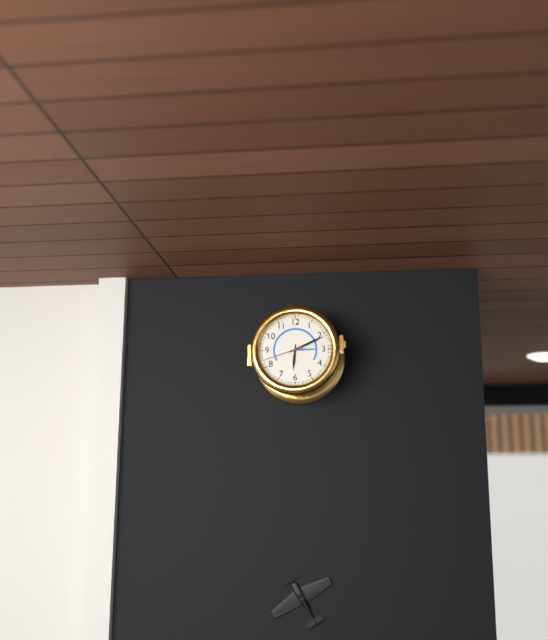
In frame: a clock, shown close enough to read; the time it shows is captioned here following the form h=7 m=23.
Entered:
h=6 m=11
